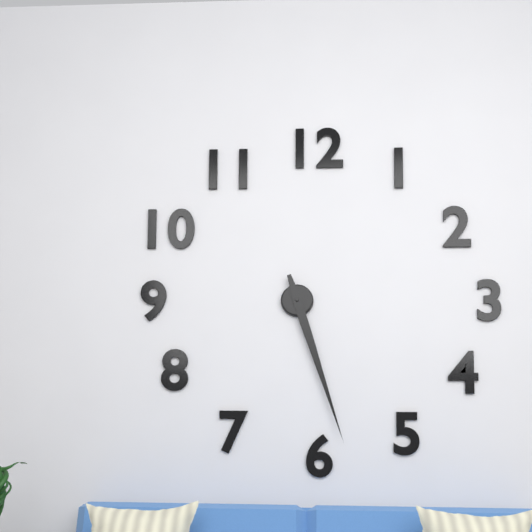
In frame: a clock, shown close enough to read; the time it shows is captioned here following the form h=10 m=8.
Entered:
h=5 m=27
